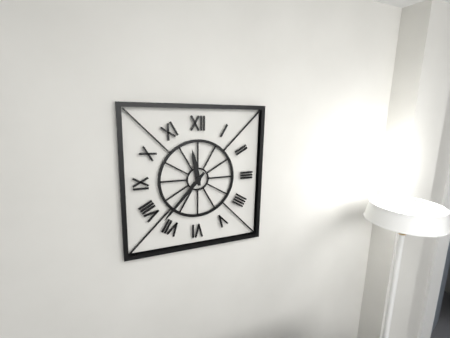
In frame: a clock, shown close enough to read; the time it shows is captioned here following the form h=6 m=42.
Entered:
h=11 m=37
